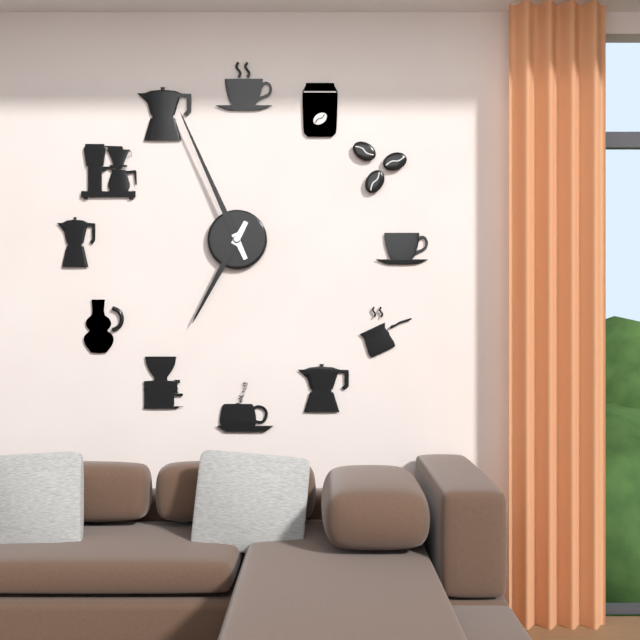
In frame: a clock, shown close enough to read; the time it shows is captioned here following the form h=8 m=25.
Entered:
h=6 m=56
